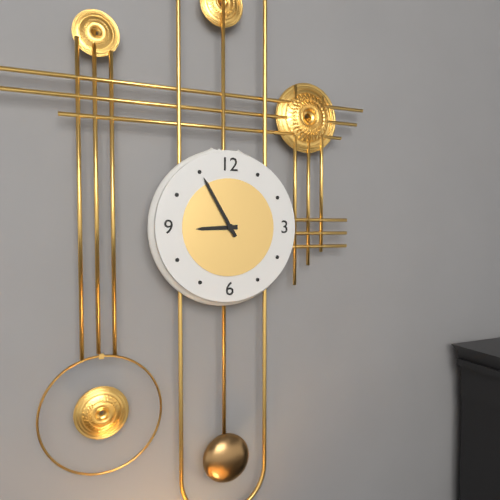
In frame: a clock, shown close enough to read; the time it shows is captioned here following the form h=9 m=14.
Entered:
h=8 m=55
